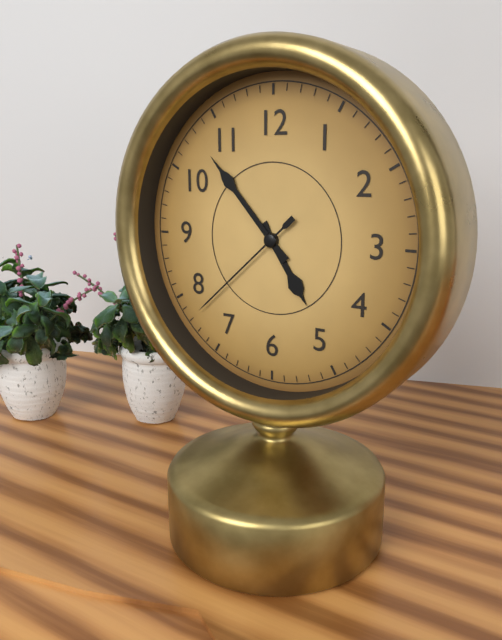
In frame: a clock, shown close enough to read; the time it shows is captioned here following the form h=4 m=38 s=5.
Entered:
h=4 m=53 s=38
